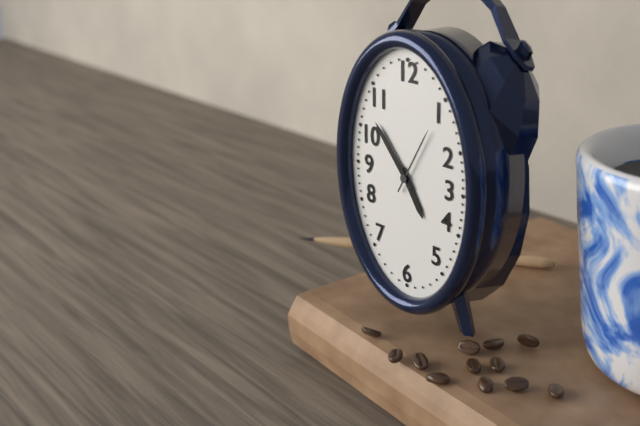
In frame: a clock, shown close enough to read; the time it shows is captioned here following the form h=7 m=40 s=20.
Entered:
h=4 m=53 s=5
